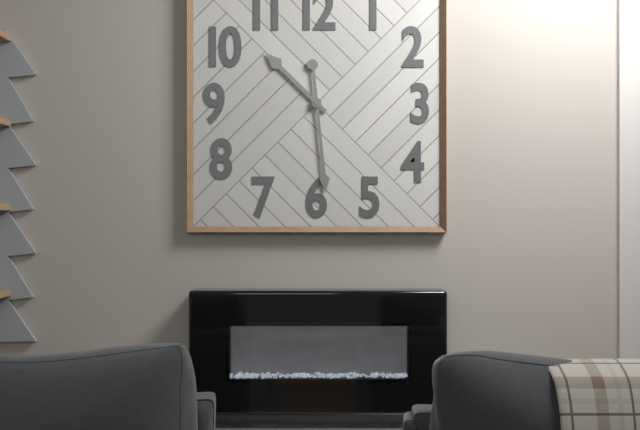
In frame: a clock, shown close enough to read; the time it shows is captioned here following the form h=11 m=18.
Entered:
h=10 m=29
